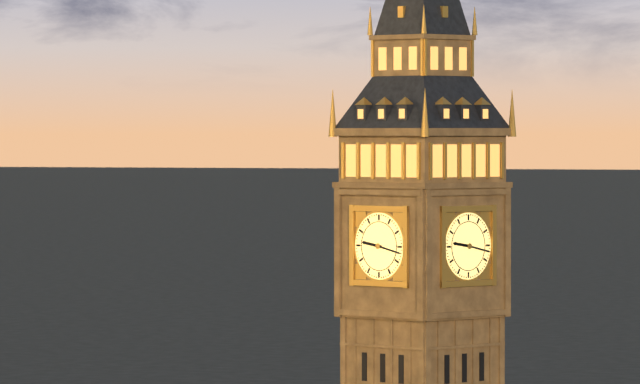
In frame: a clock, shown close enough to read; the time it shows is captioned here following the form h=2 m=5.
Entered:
h=9 m=17
